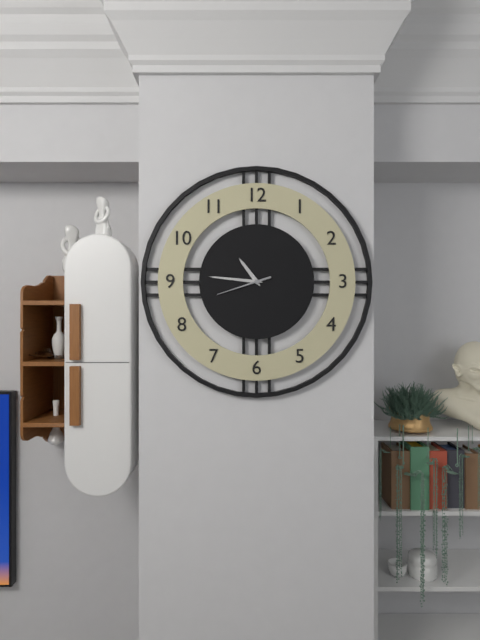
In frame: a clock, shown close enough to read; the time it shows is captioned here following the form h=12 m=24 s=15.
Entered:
h=10 m=46 s=42
